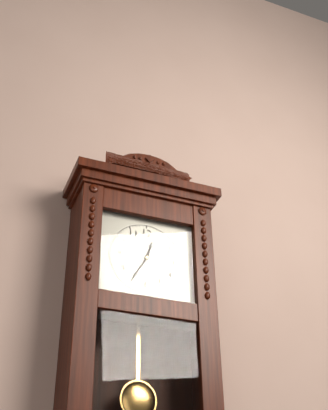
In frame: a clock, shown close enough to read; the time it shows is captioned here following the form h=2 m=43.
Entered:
h=12 m=35
